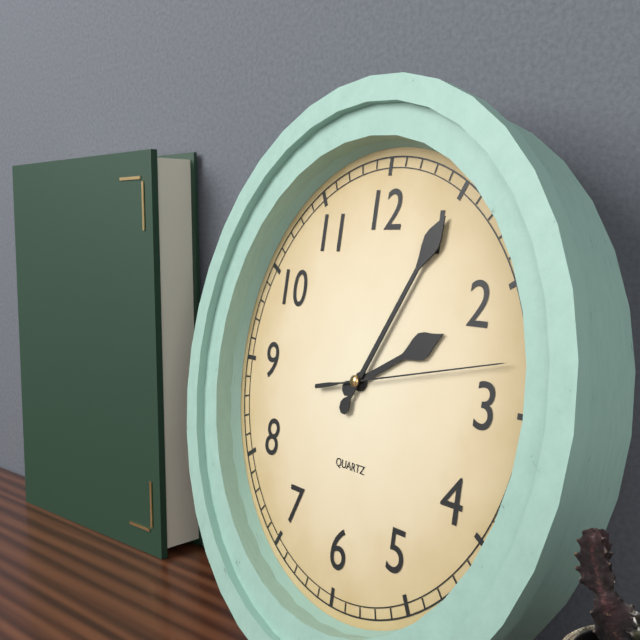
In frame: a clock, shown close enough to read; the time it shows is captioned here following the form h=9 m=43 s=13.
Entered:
h=2 m=5 s=13
